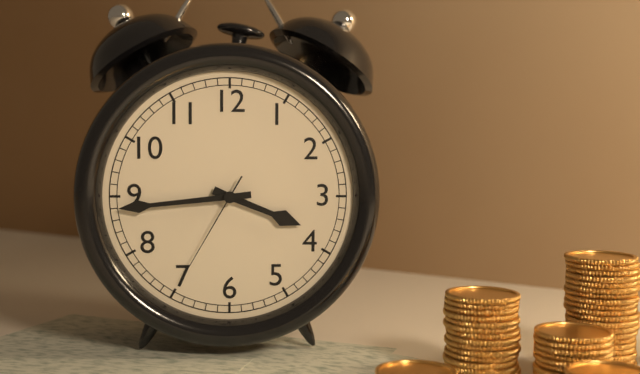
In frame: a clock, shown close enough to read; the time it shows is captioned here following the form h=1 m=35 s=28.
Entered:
h=3 m=44 s=35
